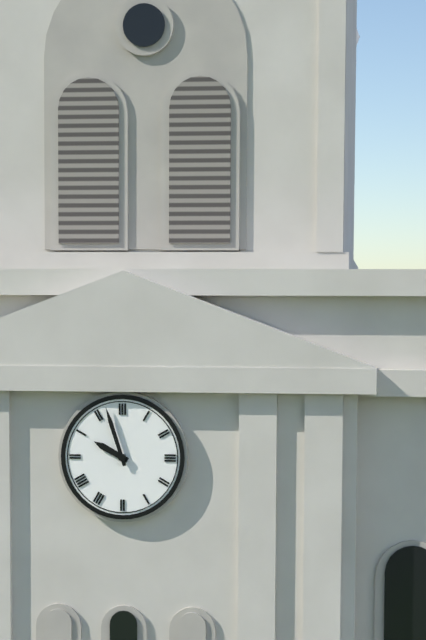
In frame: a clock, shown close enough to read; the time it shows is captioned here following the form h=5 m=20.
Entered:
h=9 m=57
